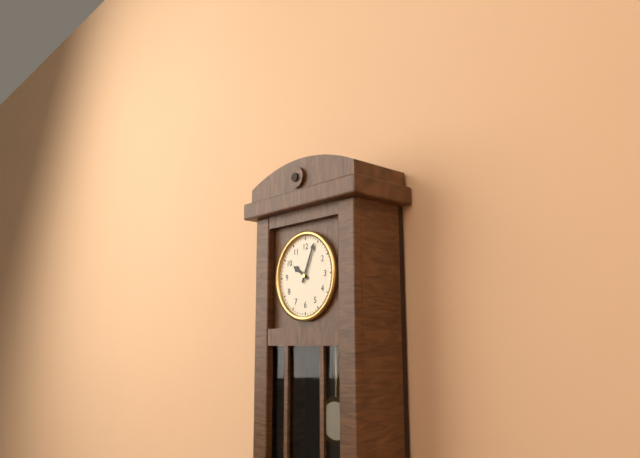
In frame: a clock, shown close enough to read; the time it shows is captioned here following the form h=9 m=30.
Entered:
h=10 m=4
